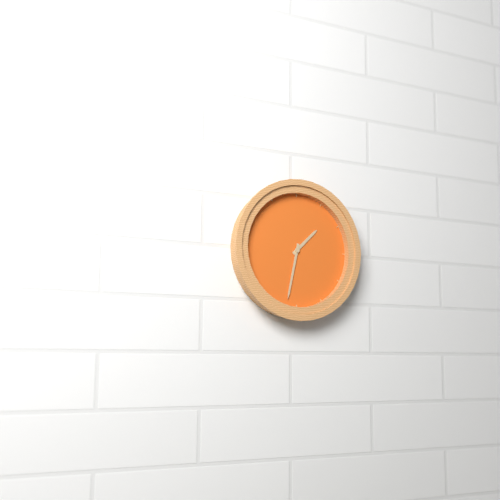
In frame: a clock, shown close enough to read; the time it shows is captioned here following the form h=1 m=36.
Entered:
h=1 m=32
